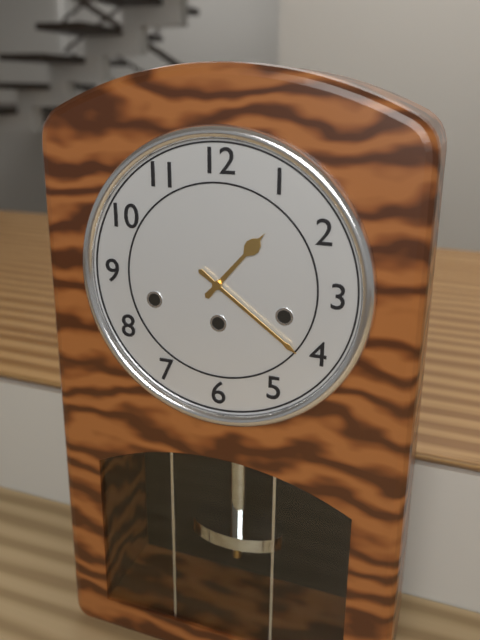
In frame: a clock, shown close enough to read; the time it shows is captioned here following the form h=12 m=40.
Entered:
h=1 m=21
